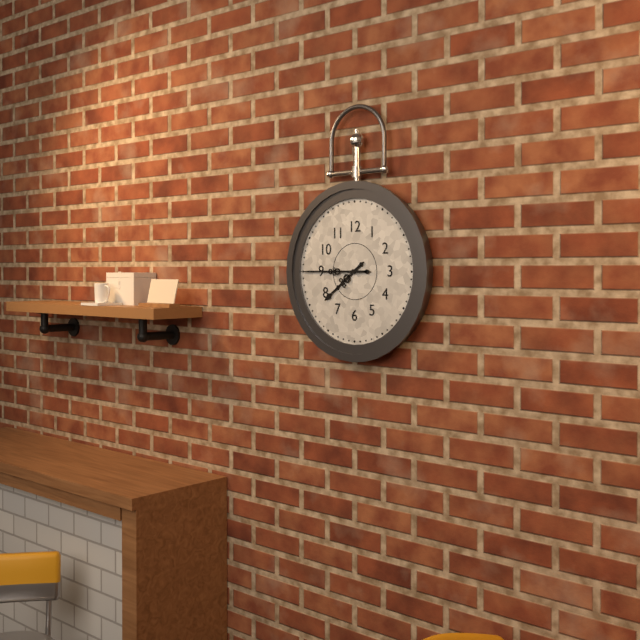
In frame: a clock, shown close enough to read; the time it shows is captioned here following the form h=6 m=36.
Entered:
h=7 m=45
